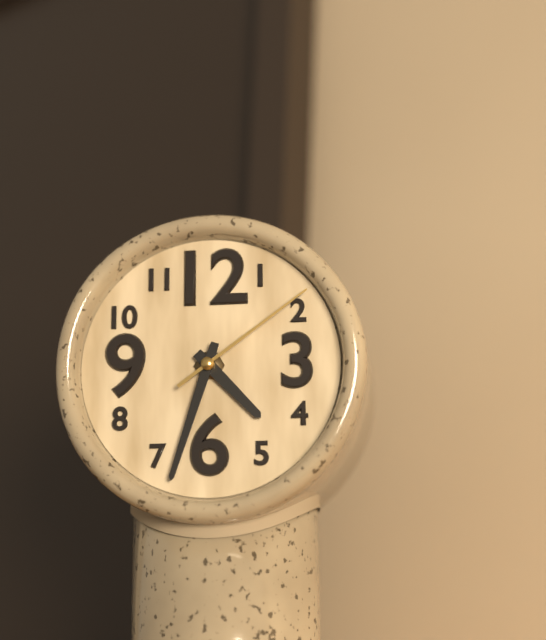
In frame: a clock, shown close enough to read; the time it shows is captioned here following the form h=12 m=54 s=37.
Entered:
h=4 m=33 s=9
